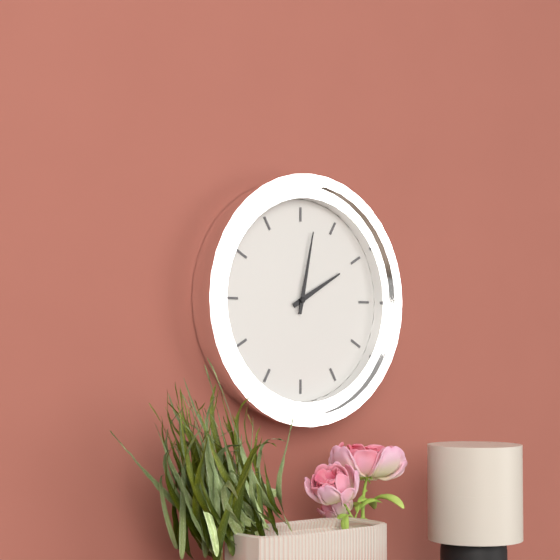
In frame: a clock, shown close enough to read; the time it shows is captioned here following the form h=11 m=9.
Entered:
h=2 m=2
